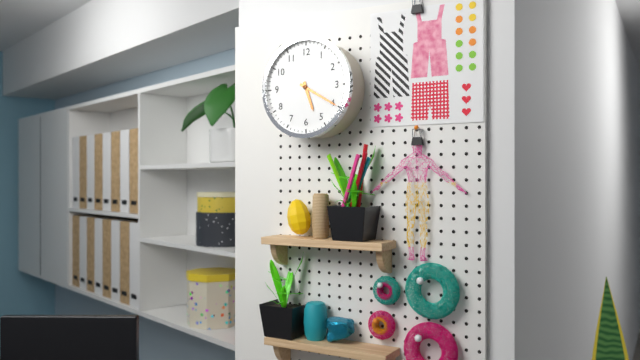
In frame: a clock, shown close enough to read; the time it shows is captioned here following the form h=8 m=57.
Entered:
h=5 m=20
